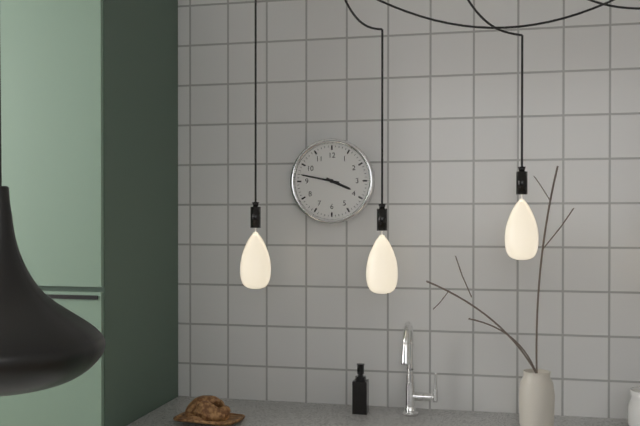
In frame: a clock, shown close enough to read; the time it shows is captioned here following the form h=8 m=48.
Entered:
h=3 m=47
